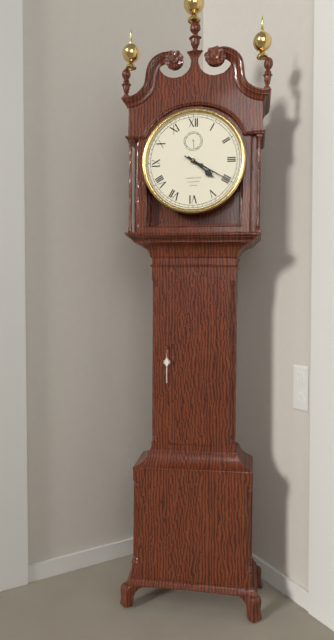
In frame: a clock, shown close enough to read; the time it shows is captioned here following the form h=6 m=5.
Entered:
h=4 m=20
